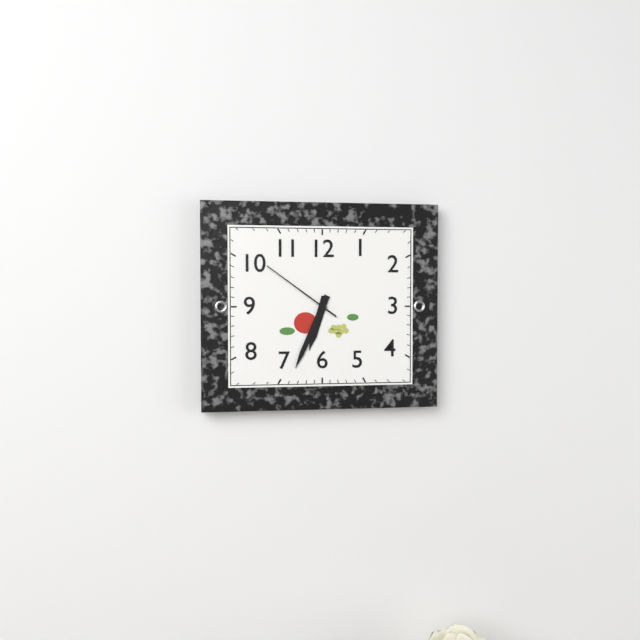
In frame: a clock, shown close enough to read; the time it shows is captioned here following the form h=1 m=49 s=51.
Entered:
h=6 m=34 s=51
